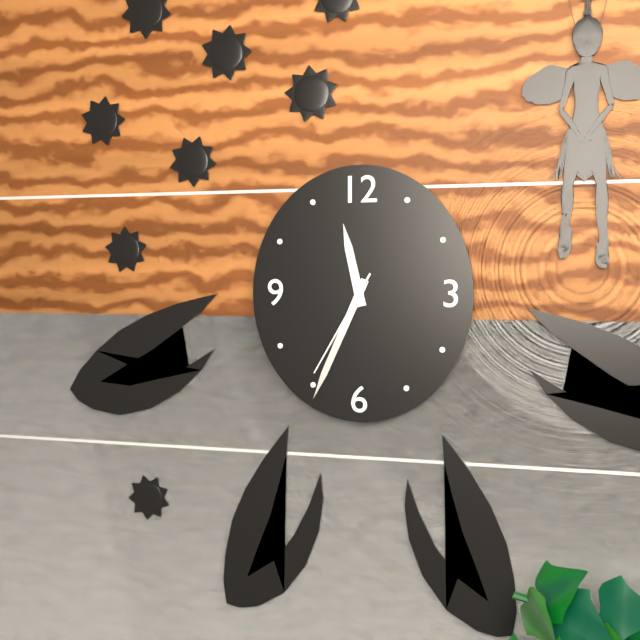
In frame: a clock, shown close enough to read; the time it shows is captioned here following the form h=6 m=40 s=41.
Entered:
h=11 m=34 s=35
